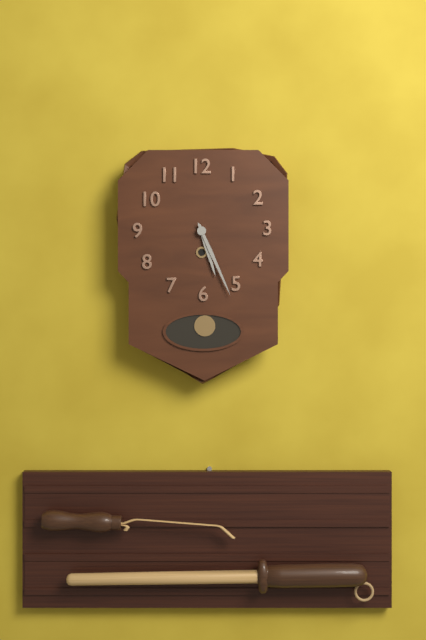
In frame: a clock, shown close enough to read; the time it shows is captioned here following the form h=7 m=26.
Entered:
h=5 m=26
